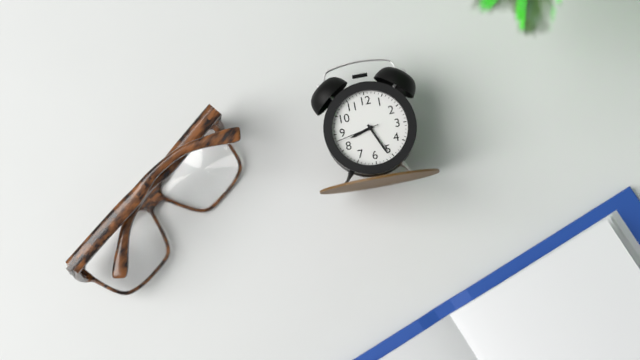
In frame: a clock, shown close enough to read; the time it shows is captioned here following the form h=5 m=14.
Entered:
h=8 m=26
